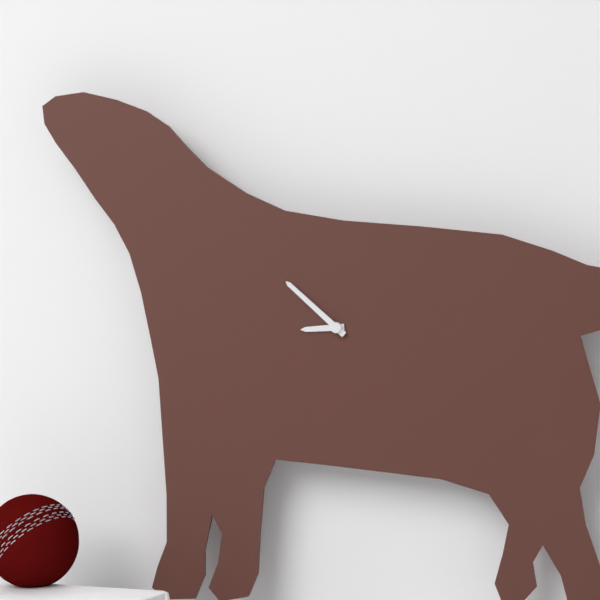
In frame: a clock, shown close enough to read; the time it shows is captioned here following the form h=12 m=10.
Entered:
h=8 m=52
